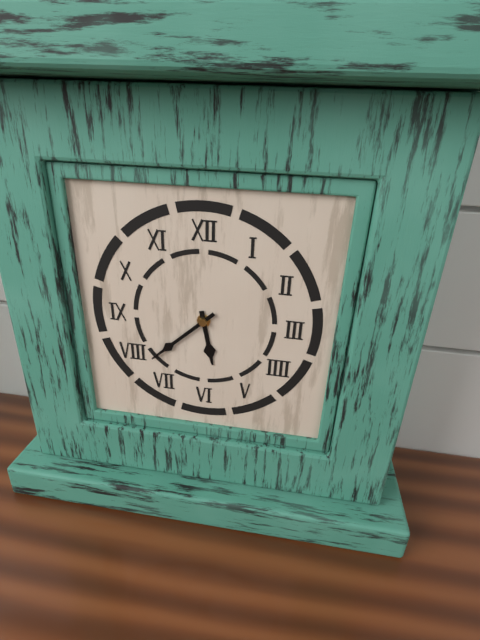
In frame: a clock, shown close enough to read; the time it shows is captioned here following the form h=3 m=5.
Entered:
h=5 m=38
